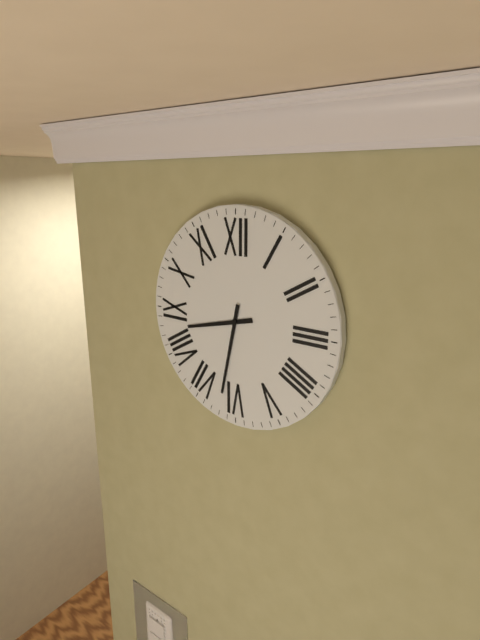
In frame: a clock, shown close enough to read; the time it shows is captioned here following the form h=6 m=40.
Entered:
h=8 m=32
